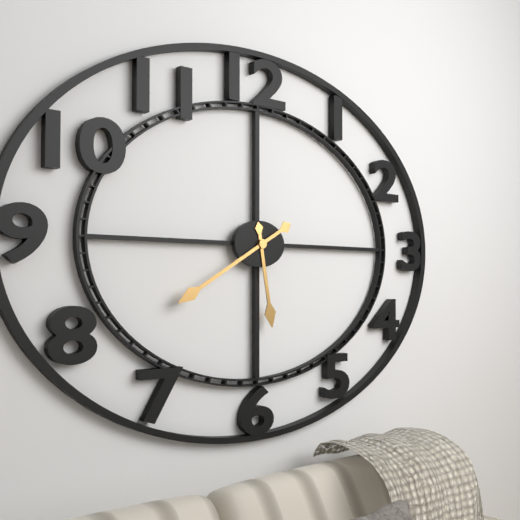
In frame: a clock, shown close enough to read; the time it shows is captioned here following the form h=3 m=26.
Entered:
h=5 m=40
